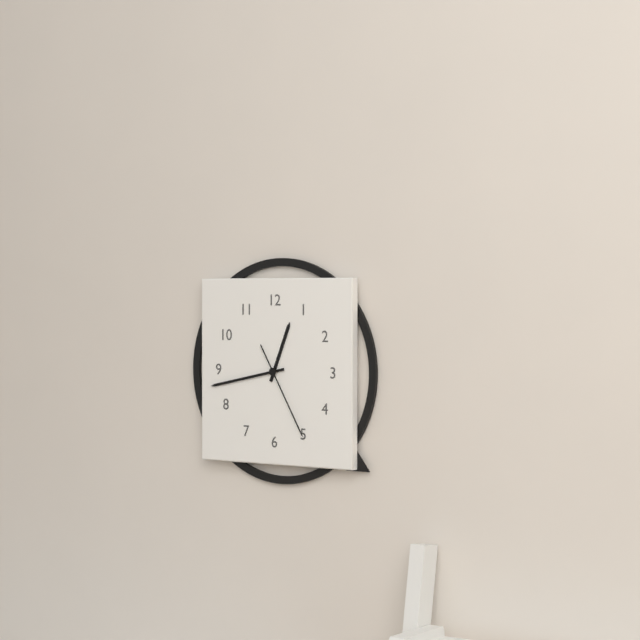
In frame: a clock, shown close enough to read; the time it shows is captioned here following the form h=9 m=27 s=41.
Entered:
h=12 m=43 s=25
